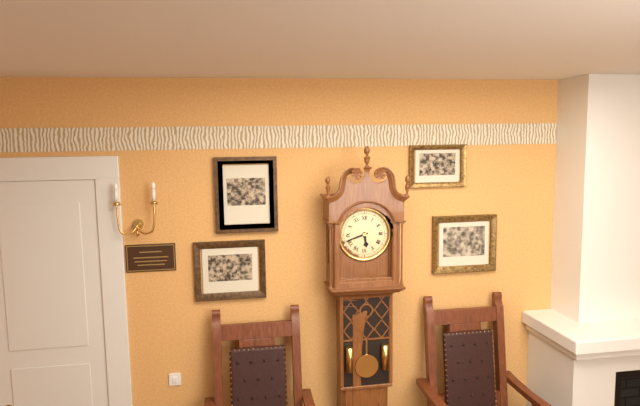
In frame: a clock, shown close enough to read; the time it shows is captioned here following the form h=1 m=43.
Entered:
h=5 m=42
